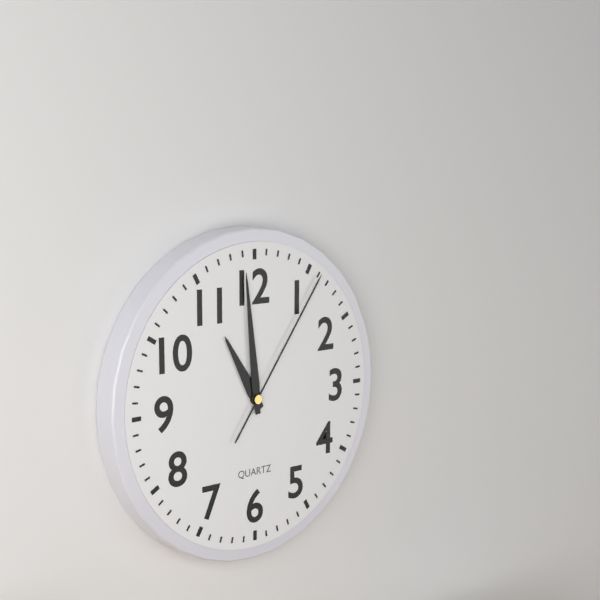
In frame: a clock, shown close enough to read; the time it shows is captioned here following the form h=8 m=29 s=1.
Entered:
h=10 m=59 s=6
